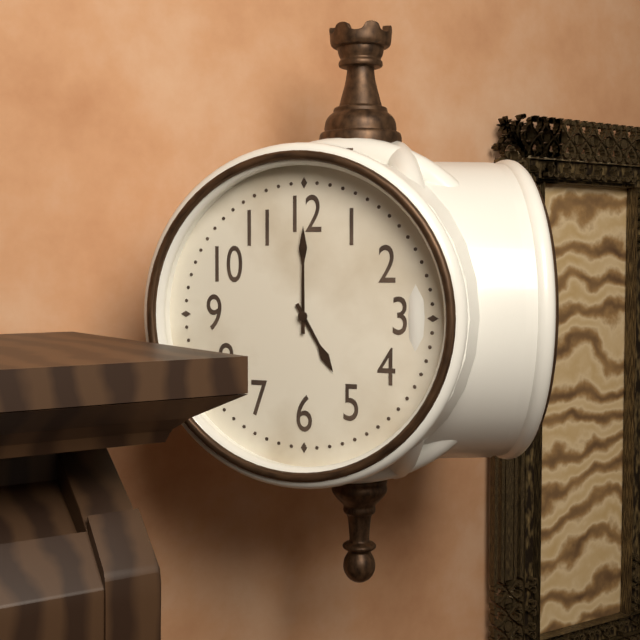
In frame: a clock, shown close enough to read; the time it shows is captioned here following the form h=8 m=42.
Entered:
h=5 m=0
